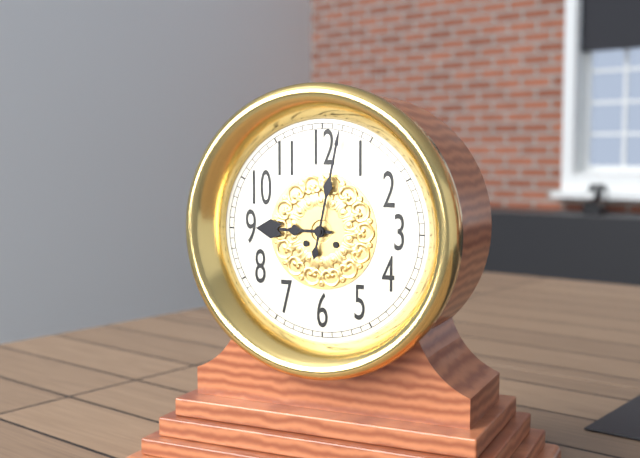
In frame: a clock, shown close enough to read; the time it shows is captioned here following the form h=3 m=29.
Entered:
h=9 m=2
